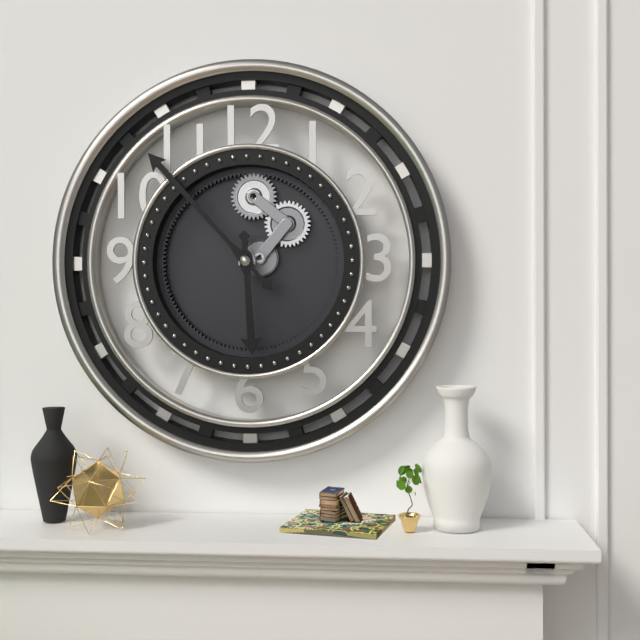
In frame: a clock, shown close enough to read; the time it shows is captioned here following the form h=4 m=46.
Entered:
h=5 m=53
